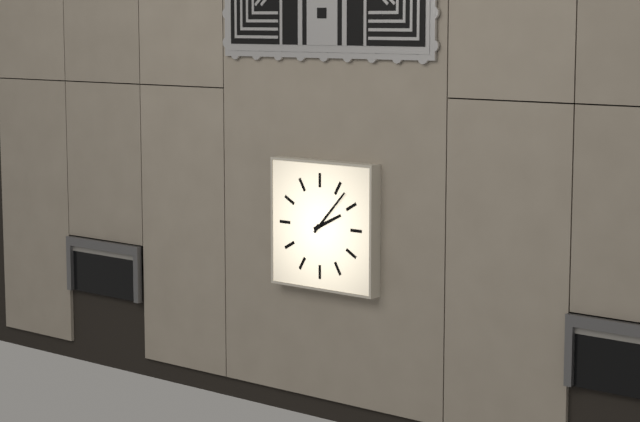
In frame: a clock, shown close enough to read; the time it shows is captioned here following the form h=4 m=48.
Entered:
h=2 m=7
